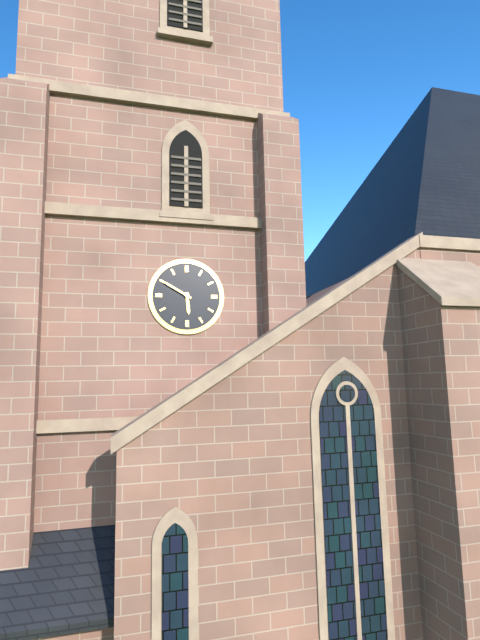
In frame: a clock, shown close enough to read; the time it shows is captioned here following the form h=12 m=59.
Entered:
h=5 m=50
